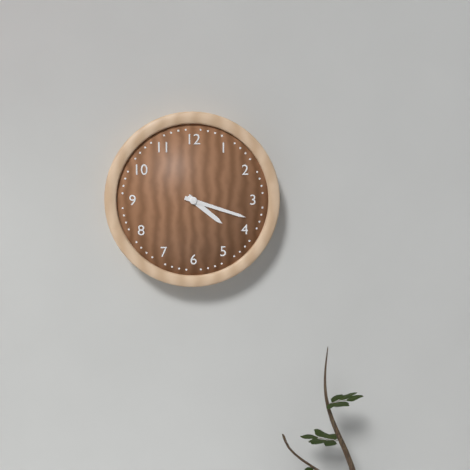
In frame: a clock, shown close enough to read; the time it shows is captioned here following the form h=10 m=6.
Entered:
h=4 m=18
